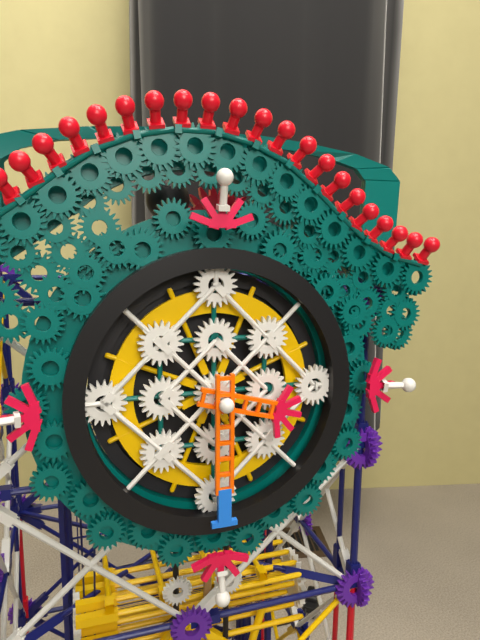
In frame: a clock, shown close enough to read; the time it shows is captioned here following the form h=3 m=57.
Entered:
h=3 m=30
